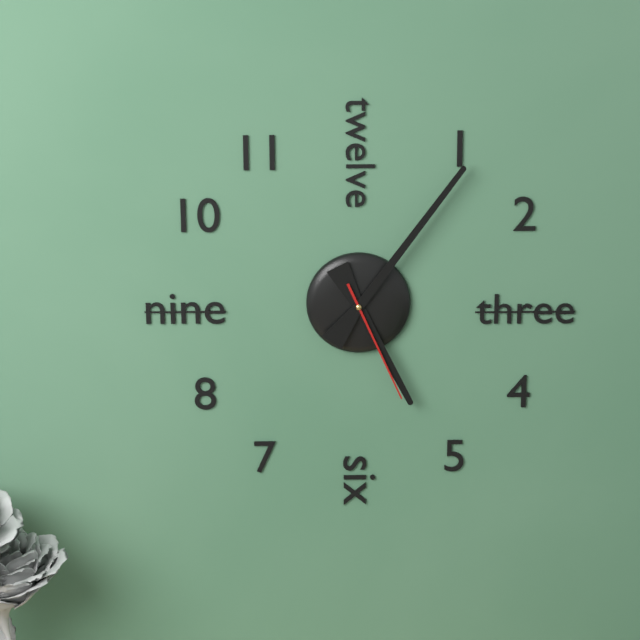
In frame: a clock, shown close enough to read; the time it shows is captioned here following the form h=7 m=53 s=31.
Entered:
h=5 m=6 s=26
